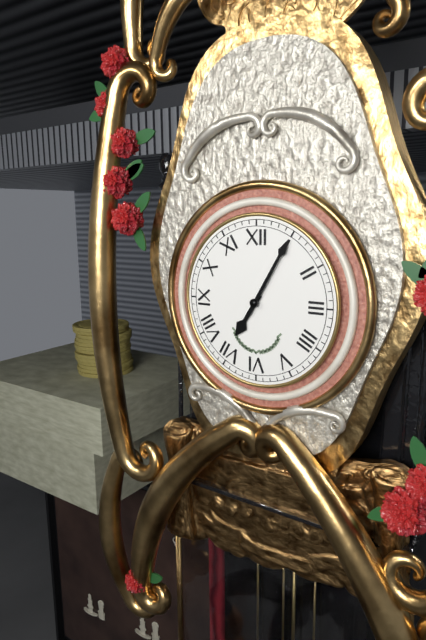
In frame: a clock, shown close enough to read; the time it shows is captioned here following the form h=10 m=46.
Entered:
h=7 m=5
